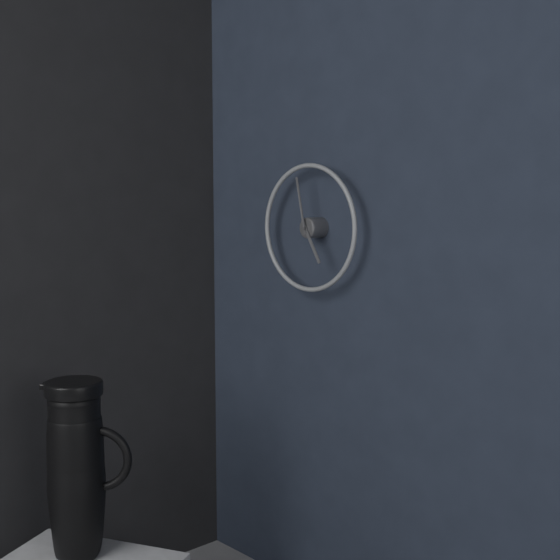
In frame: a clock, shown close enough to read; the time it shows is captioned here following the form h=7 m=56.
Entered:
h=4 m=58
